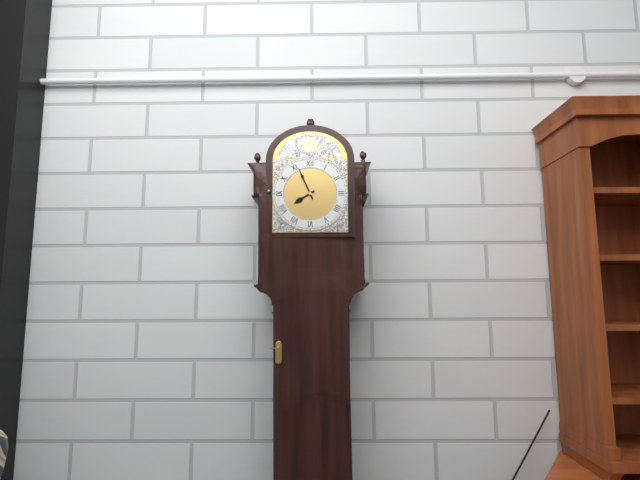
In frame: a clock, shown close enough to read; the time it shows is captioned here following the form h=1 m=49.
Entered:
h=7 m=56
